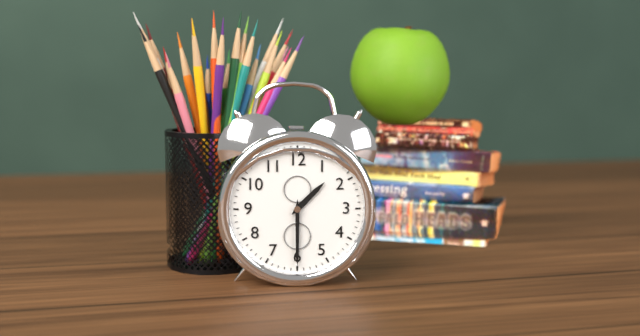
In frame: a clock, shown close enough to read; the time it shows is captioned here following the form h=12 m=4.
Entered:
h=1 m=30
